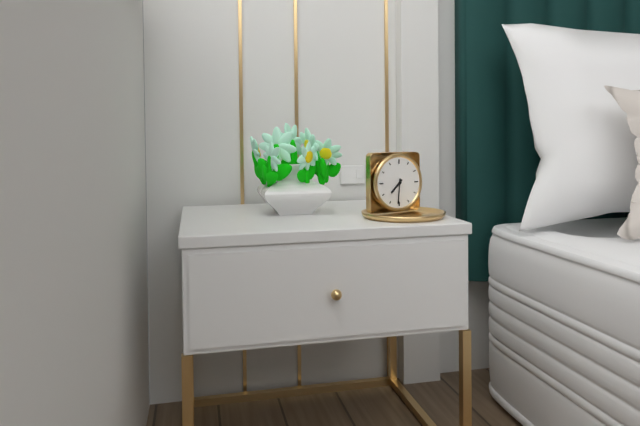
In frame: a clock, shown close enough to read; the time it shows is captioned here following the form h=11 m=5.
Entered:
h=7 m=31
